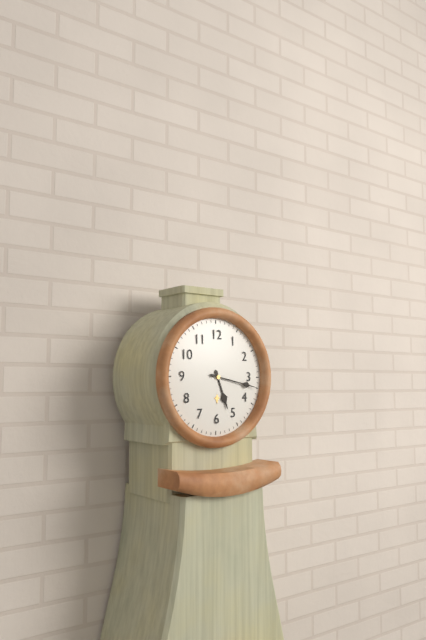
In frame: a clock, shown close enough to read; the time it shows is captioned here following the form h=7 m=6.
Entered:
h=5 m=17
